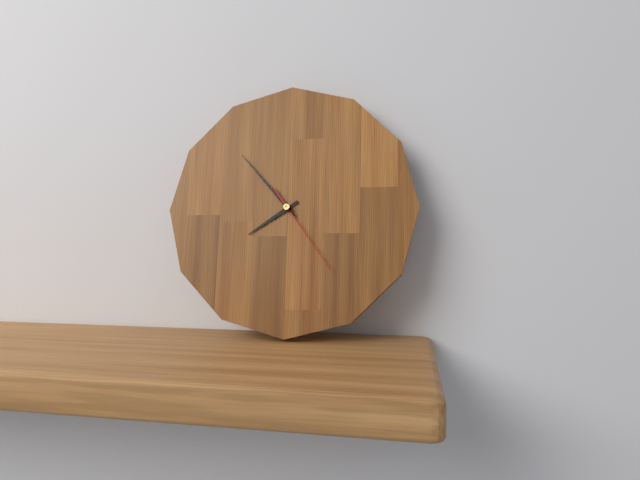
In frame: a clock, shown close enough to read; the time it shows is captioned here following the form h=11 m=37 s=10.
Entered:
h=7 m=53 s=24
